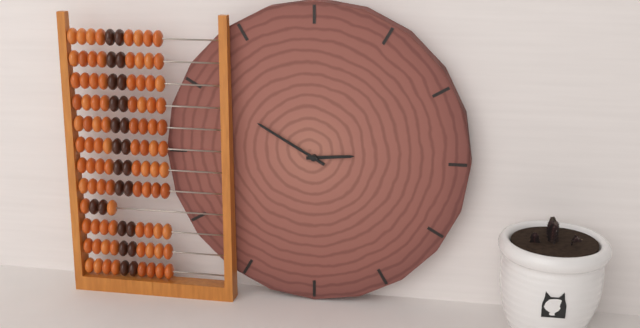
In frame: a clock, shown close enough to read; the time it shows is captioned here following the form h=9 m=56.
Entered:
h=2 m=50
